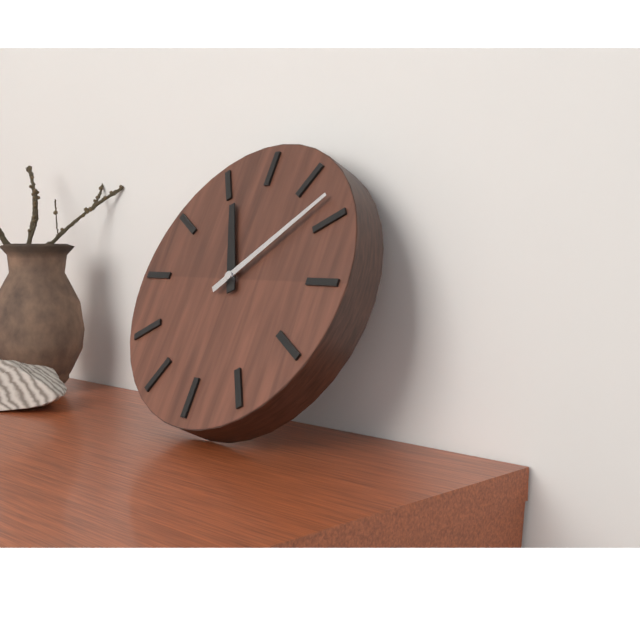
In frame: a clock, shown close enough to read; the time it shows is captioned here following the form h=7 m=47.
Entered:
h=11 m=8
